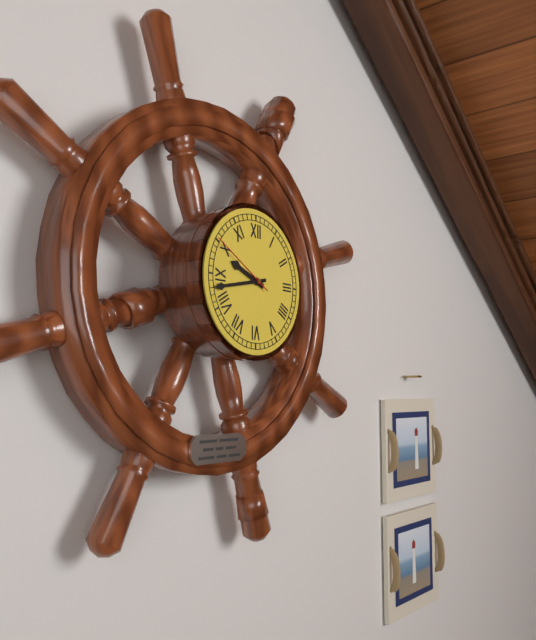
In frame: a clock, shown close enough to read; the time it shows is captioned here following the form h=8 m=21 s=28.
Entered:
h=9 m=43 s=50
